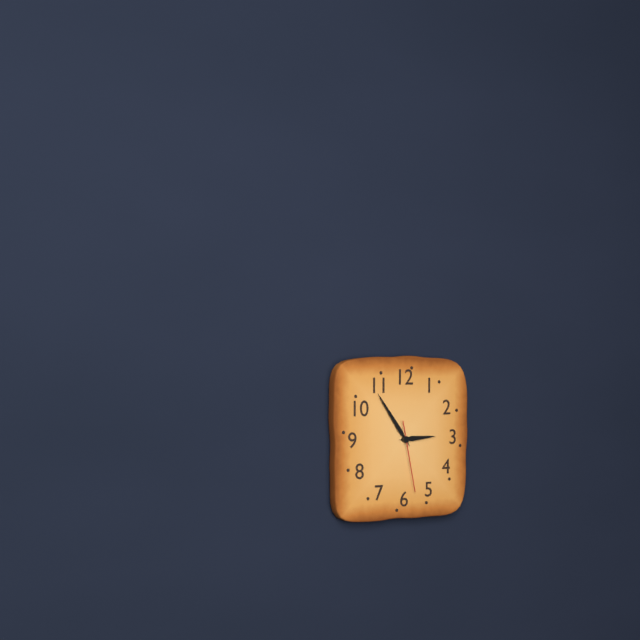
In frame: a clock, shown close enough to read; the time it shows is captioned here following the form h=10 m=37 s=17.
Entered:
h=2 m=54 s=28
